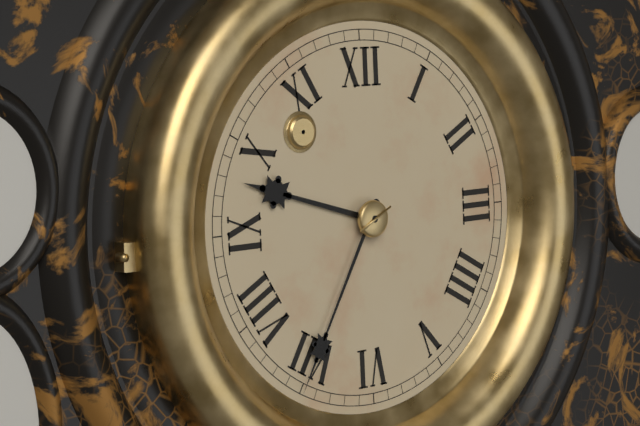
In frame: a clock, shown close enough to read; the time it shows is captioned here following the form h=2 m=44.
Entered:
h=9 m=35
